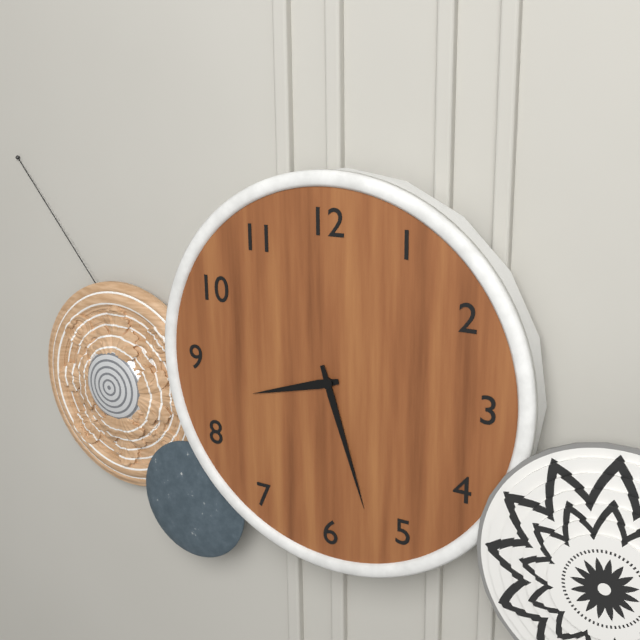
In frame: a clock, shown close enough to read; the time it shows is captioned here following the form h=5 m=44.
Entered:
h=8 m=27
